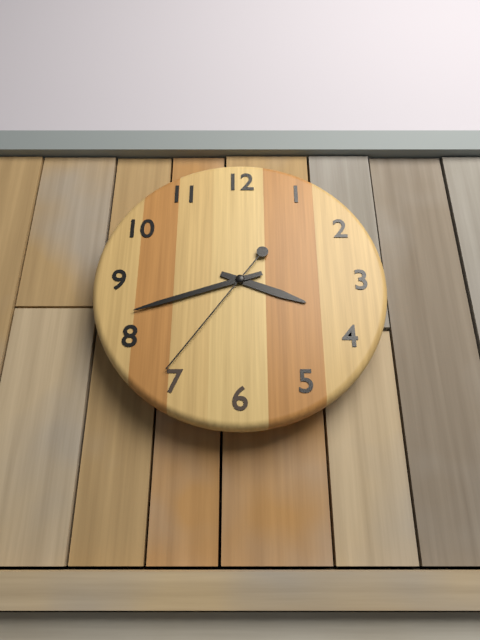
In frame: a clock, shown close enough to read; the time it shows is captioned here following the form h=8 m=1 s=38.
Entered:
h=3 m=42 s=36
